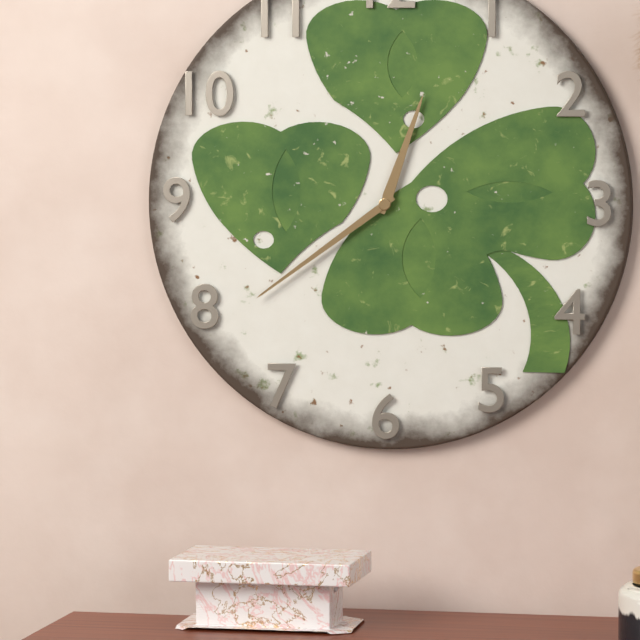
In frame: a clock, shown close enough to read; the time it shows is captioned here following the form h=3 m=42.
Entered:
h=12 m=39
